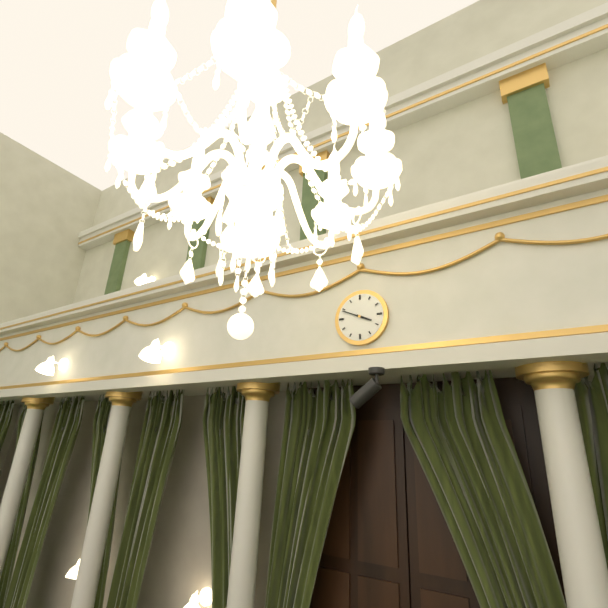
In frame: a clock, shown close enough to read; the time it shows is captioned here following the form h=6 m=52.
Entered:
h=3 m=49
